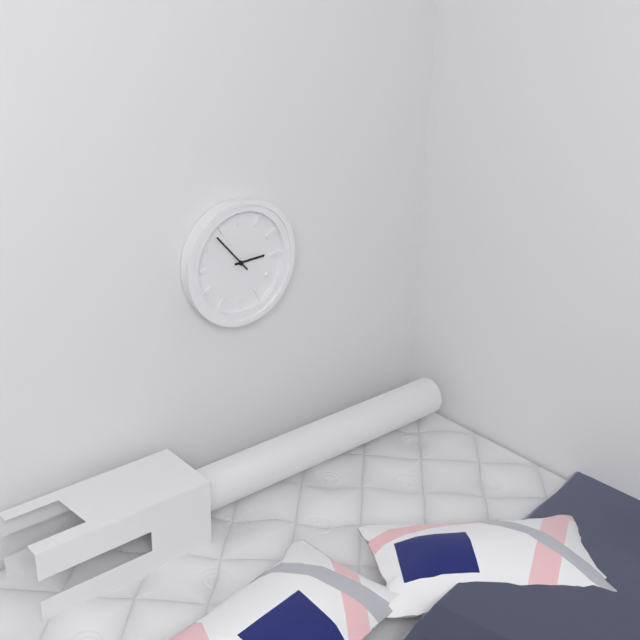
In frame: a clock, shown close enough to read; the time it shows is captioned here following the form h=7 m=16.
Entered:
h=2 m=53
